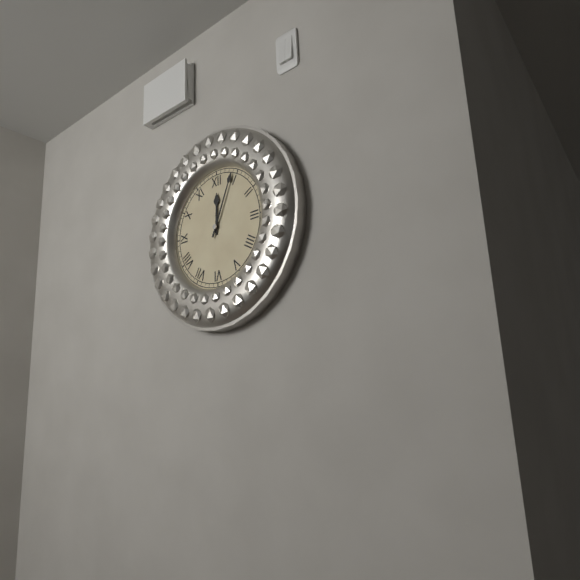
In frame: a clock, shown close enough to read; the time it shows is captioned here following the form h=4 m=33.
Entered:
h=12 m=4
